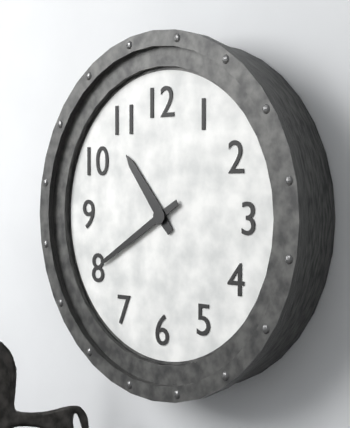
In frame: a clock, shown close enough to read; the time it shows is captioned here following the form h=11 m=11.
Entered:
h=10 m=40
